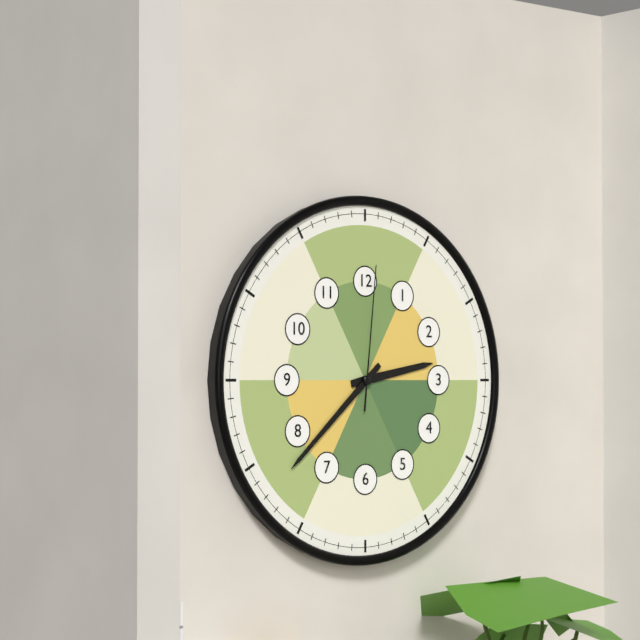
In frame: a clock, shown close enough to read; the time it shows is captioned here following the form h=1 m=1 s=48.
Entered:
h=2 m=38 s=1
